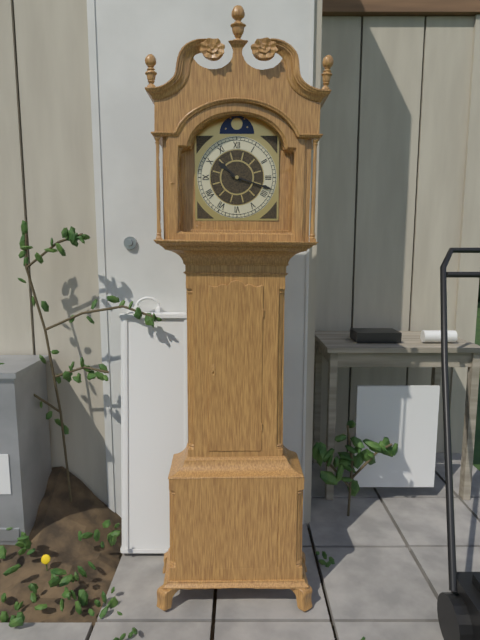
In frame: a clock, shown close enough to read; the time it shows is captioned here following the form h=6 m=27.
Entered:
h=10 m=18
